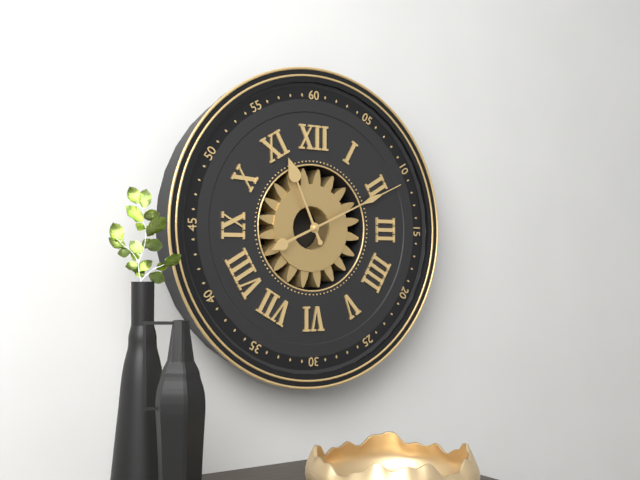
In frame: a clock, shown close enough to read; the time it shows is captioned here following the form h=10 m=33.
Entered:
h=11 m=11
